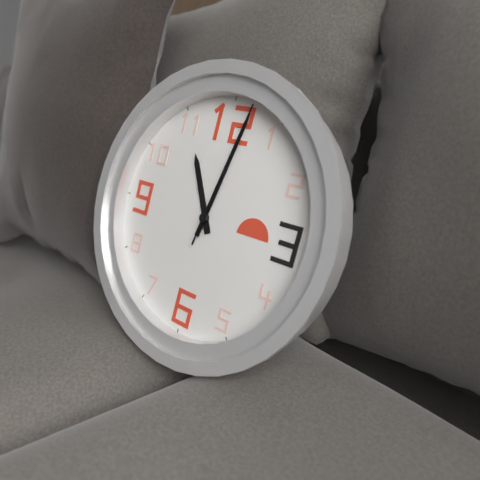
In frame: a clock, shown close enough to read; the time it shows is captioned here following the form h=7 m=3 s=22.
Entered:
h=11 m=2 s=2
